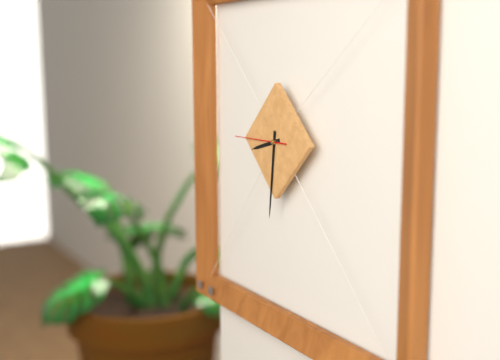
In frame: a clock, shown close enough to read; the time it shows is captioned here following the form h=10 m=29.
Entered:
h=8 m=31
